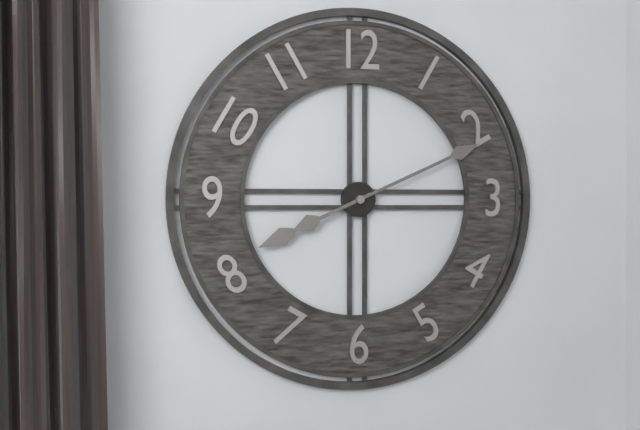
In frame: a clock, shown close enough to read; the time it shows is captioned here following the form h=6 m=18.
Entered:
h=8 m=11
